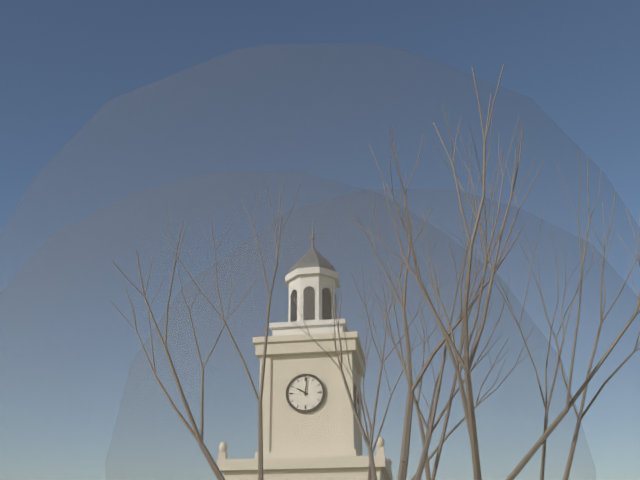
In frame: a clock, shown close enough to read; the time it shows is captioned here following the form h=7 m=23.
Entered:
h=10 m=1
